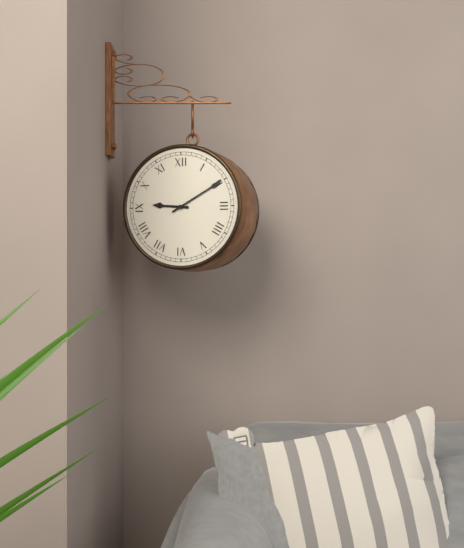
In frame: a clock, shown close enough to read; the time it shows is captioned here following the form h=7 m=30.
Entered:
h=9 m=10
